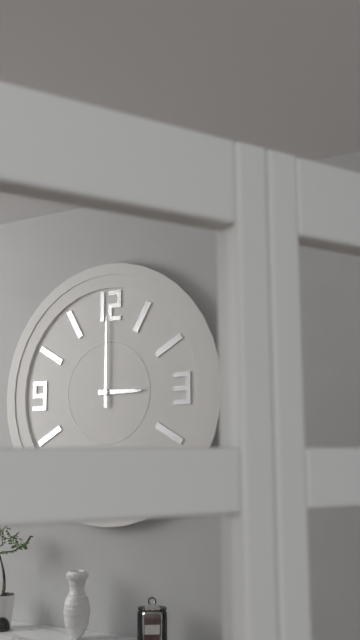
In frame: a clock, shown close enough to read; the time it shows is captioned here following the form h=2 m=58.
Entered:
h=3 m=0
